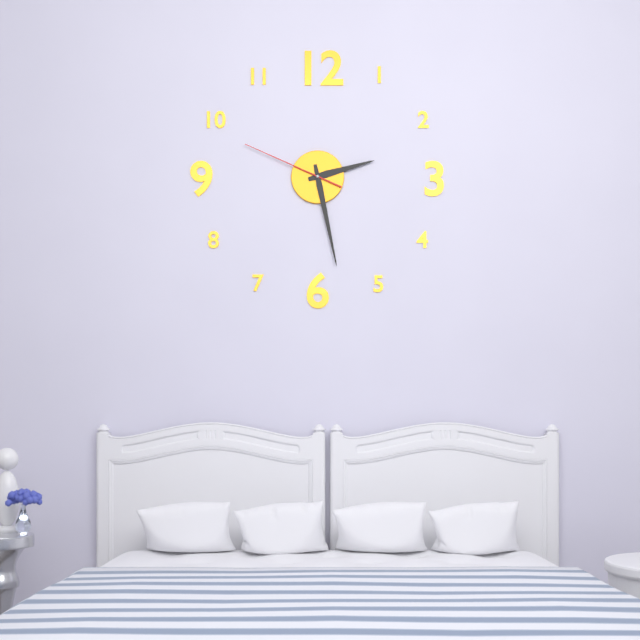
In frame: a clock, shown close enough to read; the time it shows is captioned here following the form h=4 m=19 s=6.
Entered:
h=2 m=28 s=49
